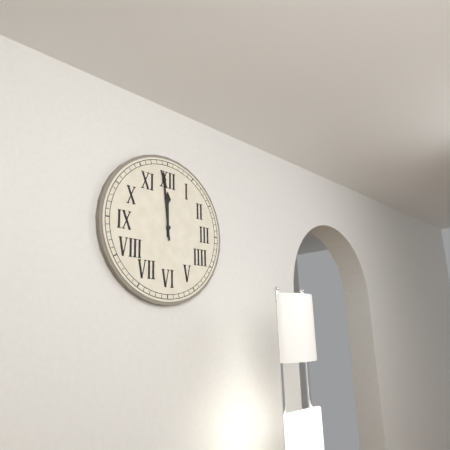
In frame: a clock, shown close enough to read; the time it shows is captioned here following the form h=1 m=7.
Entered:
h=11 m=59
